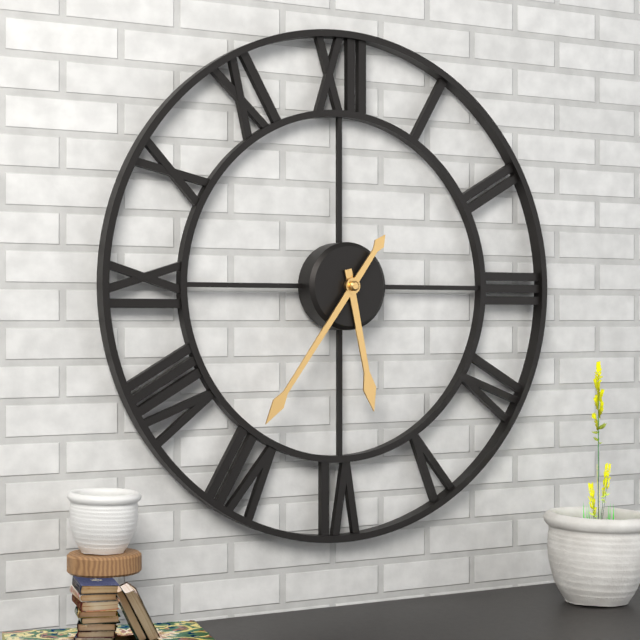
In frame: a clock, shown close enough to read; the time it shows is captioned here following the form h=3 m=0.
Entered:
h=5 m=36
